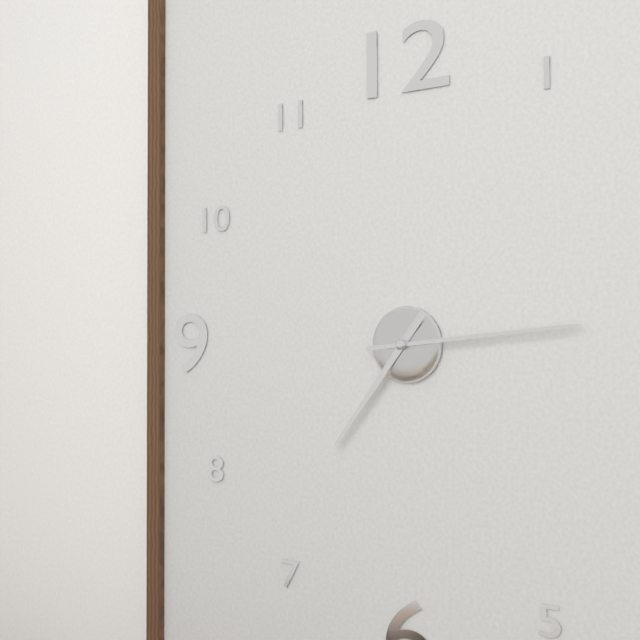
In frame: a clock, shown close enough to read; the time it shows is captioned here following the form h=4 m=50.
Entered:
h=7 m=14
